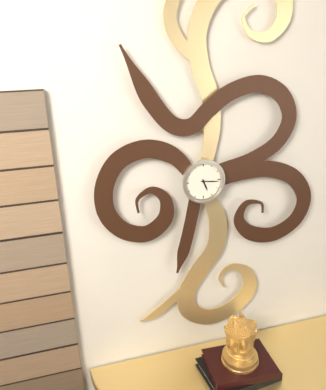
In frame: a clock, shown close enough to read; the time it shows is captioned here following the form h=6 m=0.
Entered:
h=5 m=16
